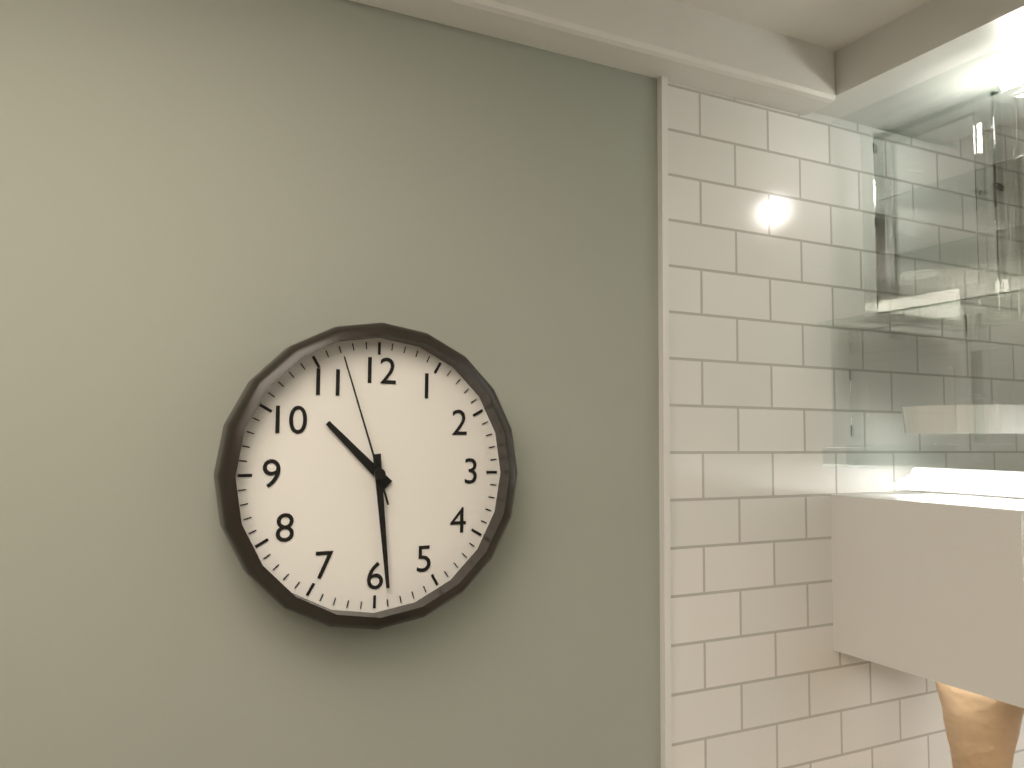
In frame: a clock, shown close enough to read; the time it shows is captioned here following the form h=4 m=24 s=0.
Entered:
h=10 m=29 s=57
